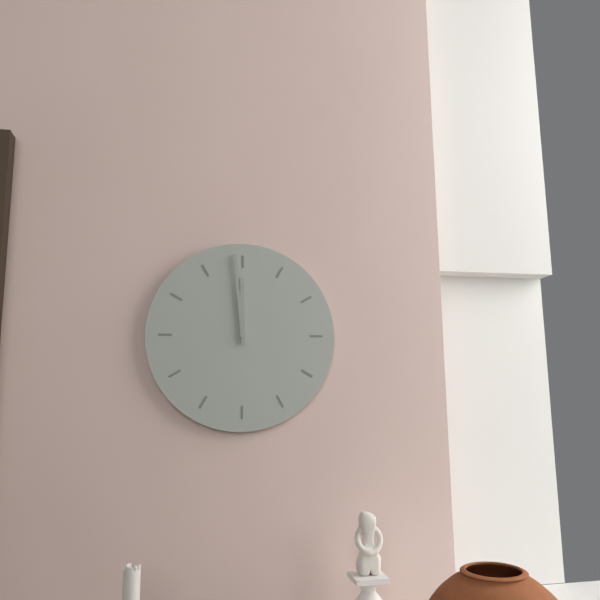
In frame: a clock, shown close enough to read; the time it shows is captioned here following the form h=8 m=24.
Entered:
h=11 m=59
